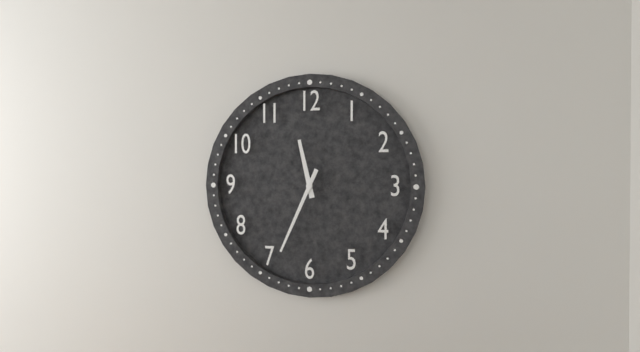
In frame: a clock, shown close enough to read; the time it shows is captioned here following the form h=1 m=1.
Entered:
h=11 m=34
